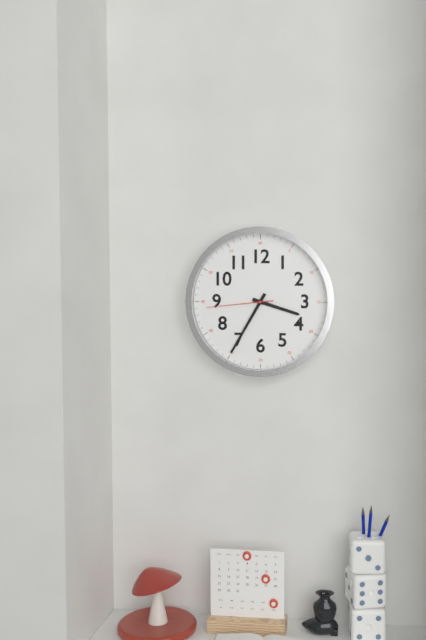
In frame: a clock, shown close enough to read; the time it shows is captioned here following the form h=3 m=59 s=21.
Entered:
h=3 m=35 s=44
